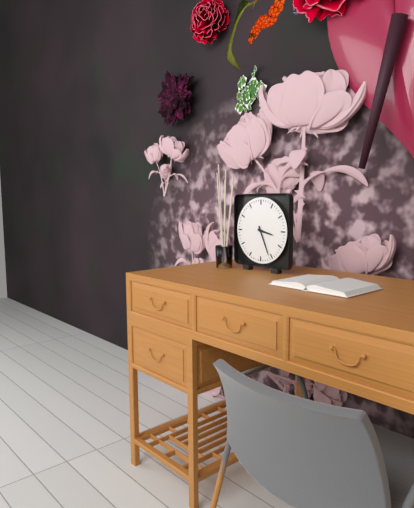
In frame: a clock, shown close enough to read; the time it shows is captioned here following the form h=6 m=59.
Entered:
h=3 m=26
